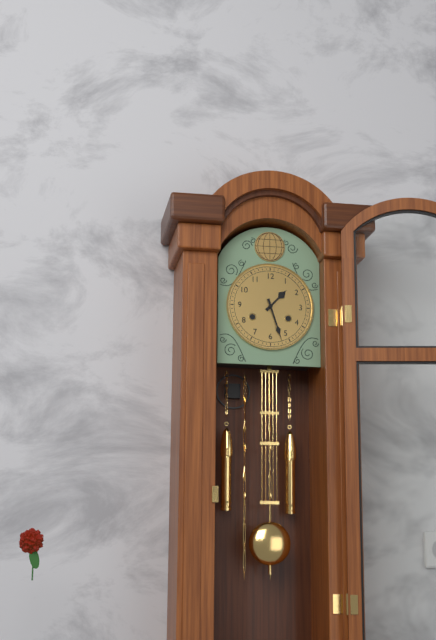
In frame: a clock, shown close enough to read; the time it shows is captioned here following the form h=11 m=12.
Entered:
h=1 m=27
